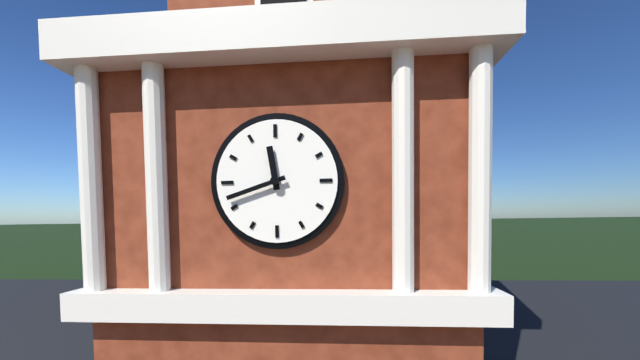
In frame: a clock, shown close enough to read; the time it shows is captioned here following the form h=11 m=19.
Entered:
h=11 m=42
